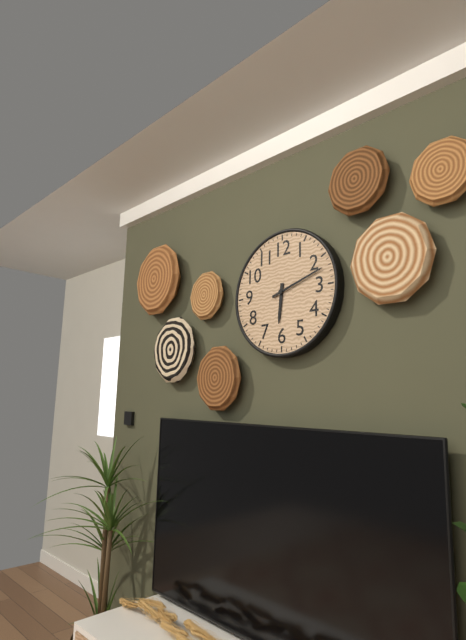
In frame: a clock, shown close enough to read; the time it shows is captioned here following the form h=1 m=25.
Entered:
h=6 m=12
